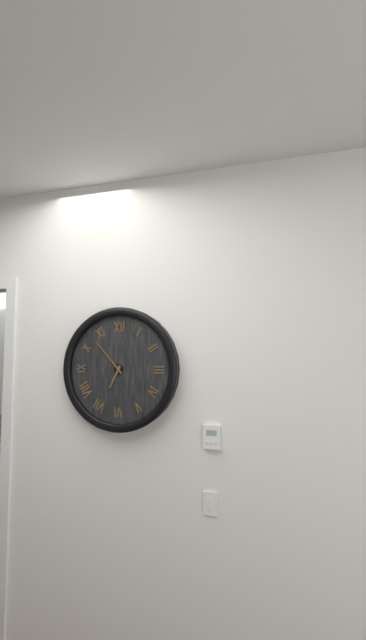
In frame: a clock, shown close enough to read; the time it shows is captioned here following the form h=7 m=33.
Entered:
h=6 m=53
